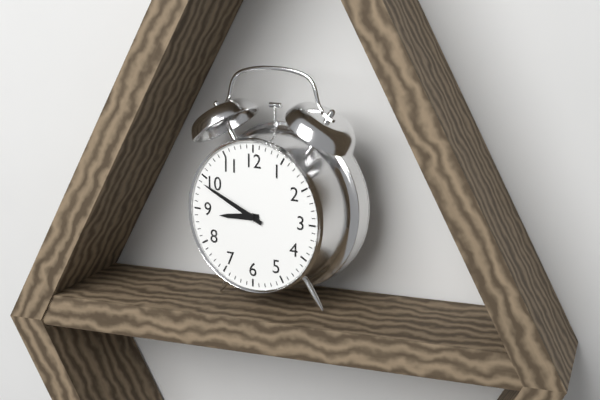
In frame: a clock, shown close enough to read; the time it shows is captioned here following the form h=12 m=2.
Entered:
h=8 m=49
